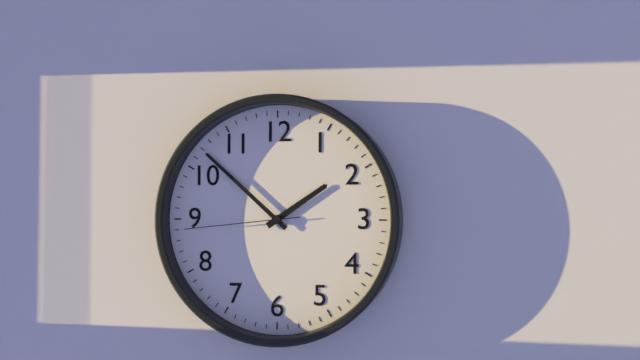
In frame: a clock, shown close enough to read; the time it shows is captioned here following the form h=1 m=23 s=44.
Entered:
h=1 m=52 s=44
